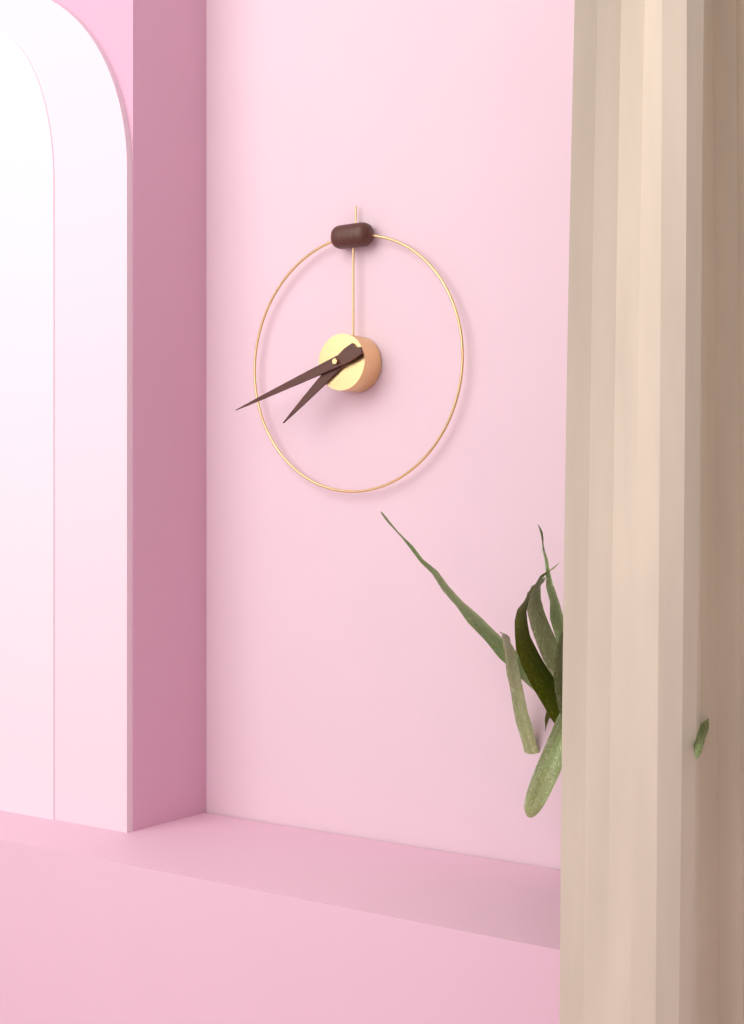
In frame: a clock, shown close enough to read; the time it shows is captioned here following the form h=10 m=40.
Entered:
h=7 m=42
